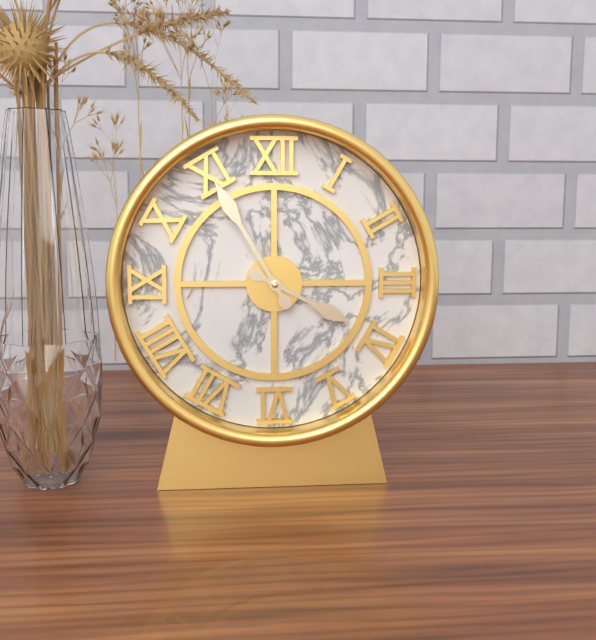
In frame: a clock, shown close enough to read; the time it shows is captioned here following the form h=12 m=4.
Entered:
h=3 m=55
